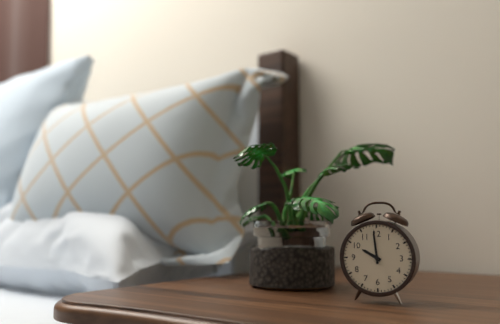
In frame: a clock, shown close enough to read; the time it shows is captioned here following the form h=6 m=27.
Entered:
h=9 m=59
